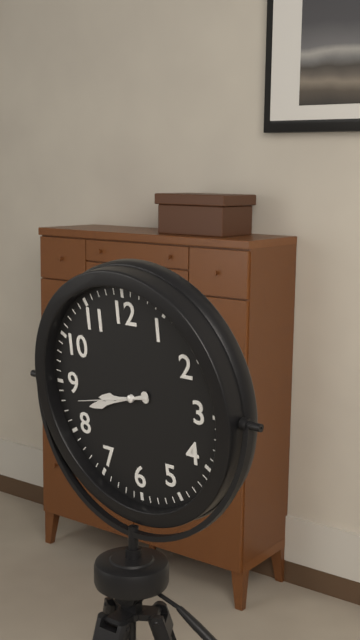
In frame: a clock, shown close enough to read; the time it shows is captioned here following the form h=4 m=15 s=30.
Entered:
h=8 m=42 s=43
